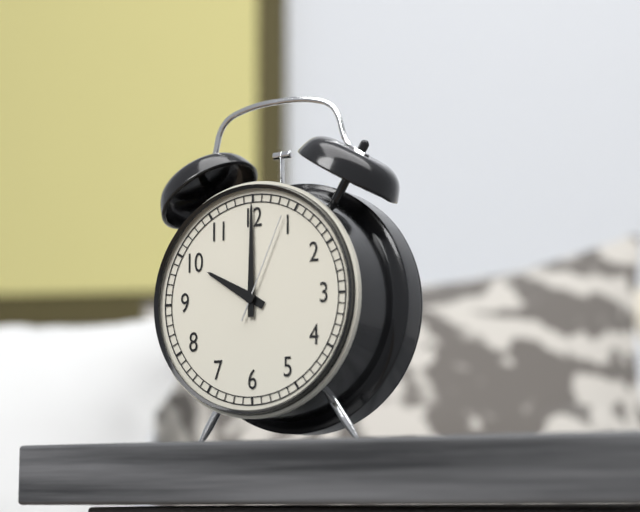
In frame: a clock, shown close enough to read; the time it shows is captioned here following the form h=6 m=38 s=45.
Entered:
h=10 m=0 s=4
